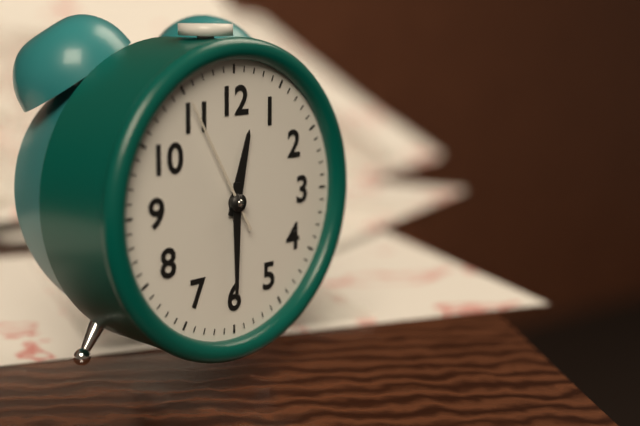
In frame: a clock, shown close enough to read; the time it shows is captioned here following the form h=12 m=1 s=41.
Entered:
h=12 m=30 s=55
